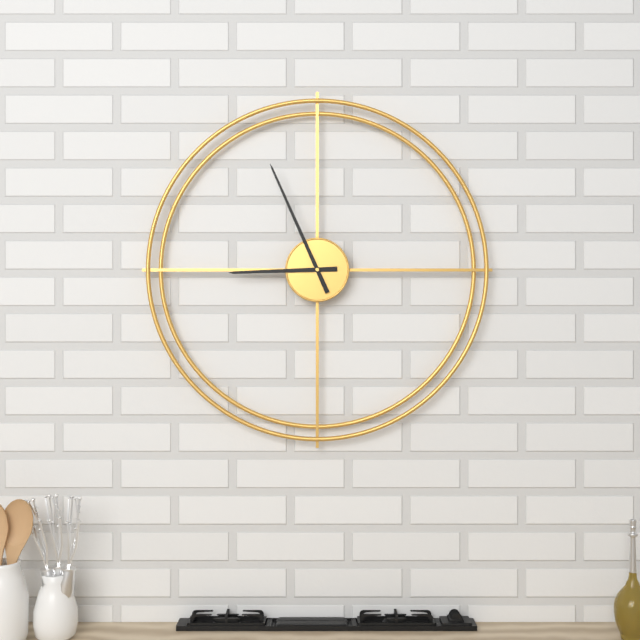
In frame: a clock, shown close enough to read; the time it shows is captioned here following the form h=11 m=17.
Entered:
h=8 m=56
